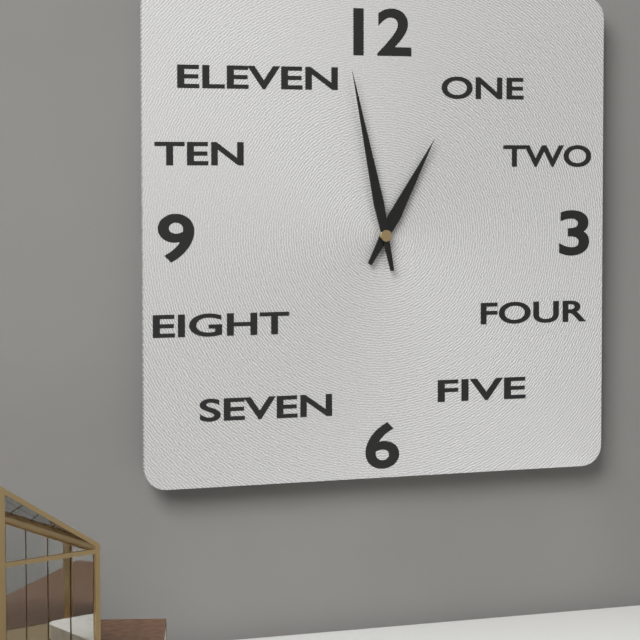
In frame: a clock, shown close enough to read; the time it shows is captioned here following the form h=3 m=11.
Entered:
h=12 m=58
